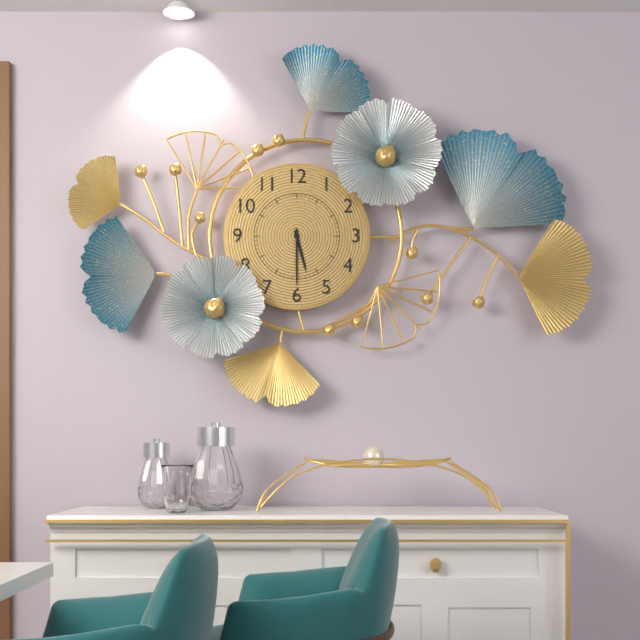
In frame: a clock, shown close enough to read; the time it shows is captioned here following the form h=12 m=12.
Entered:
h=5 m=30
